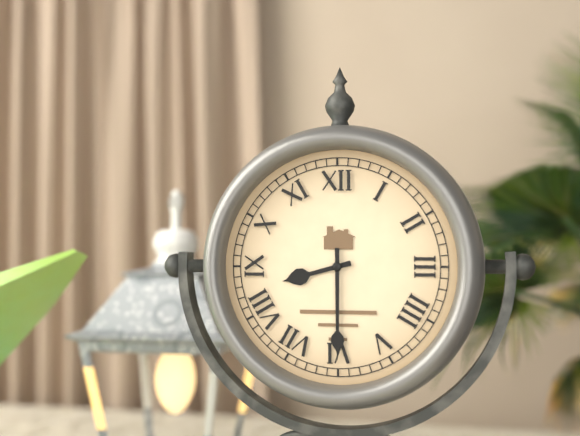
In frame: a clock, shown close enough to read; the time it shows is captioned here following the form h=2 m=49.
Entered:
h=8 m=30
